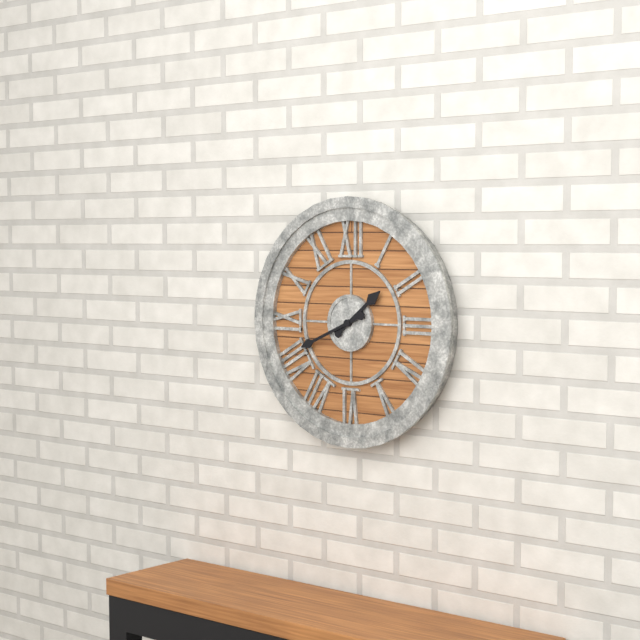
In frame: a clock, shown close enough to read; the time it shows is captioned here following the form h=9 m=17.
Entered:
h=1 m=41
